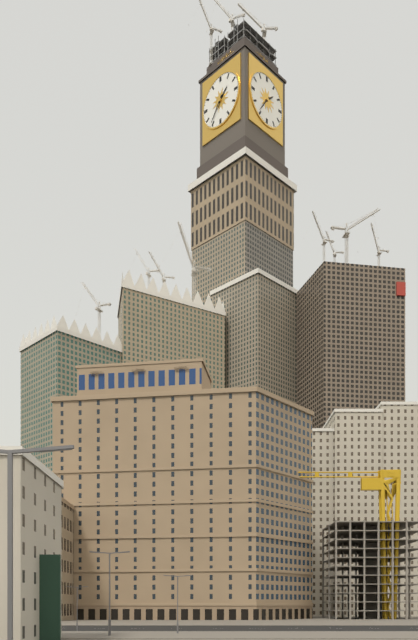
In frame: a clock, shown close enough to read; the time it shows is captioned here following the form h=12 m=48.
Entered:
h=1 m=36
